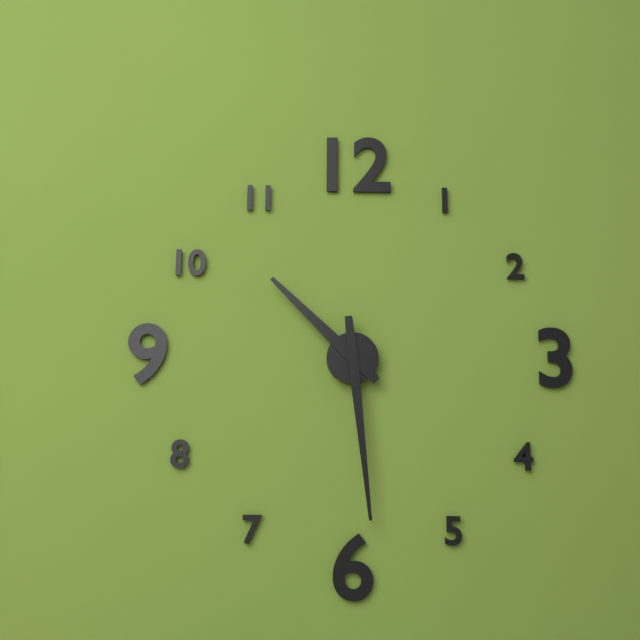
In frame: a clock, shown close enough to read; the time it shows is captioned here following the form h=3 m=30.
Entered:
h=10 m=29
